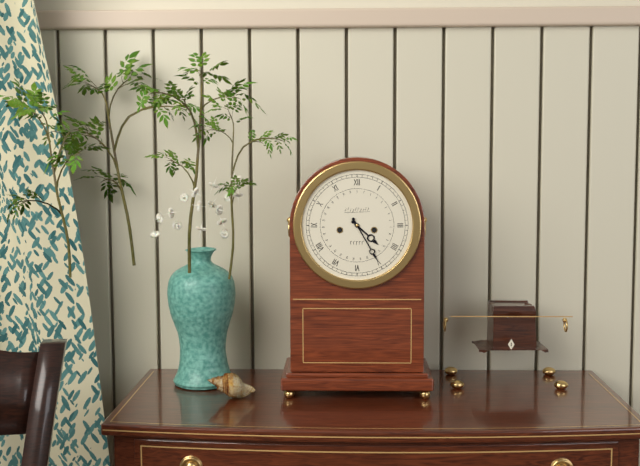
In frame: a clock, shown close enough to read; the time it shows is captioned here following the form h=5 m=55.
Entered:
h=4 m=25
